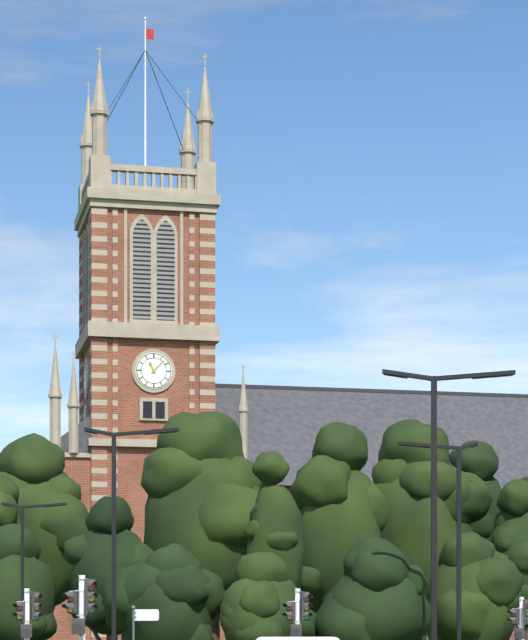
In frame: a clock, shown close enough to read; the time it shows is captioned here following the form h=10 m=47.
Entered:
h=11 m=7
